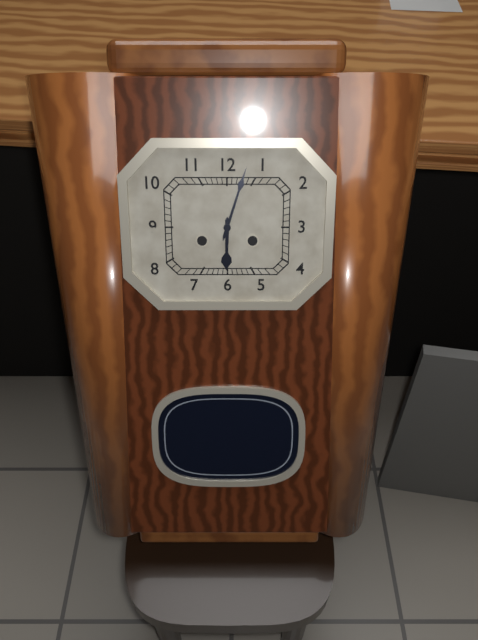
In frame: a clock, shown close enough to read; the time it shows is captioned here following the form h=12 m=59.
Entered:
h=6 m=3
